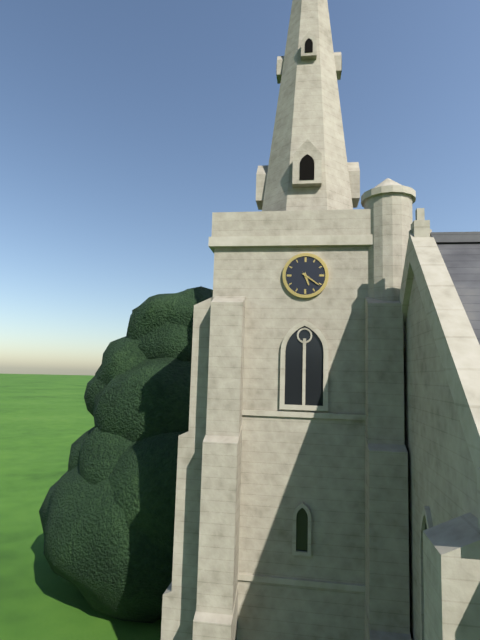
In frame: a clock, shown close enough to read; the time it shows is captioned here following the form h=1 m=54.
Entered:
h=5 m=21
